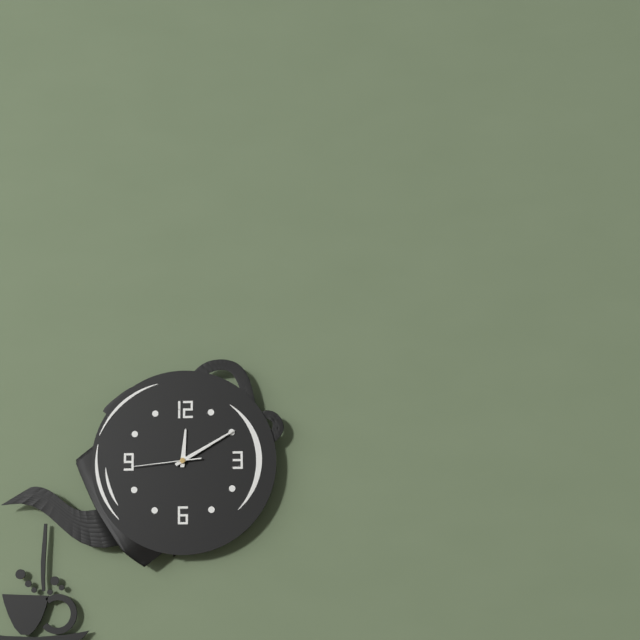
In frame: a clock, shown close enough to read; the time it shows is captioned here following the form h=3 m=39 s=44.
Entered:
h=12 m=10 s=44
